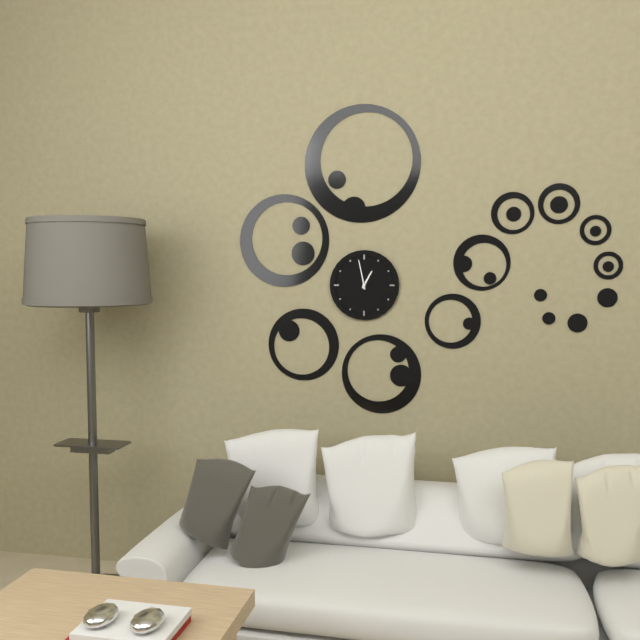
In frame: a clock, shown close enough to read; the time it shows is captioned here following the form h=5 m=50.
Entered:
h=12 m=58
